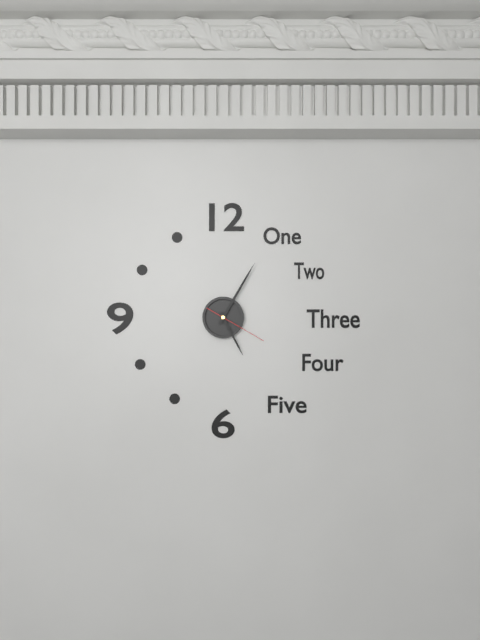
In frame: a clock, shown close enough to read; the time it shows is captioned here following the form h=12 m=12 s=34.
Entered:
h=5 m=5 s=20
